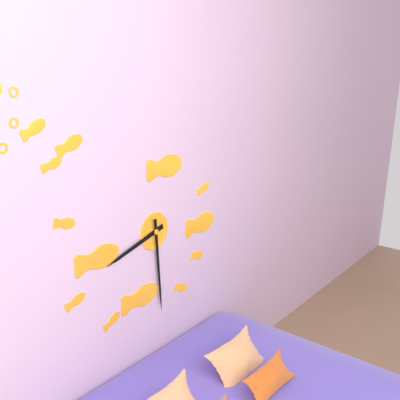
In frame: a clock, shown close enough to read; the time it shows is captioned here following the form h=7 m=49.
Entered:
h=8 m=29
